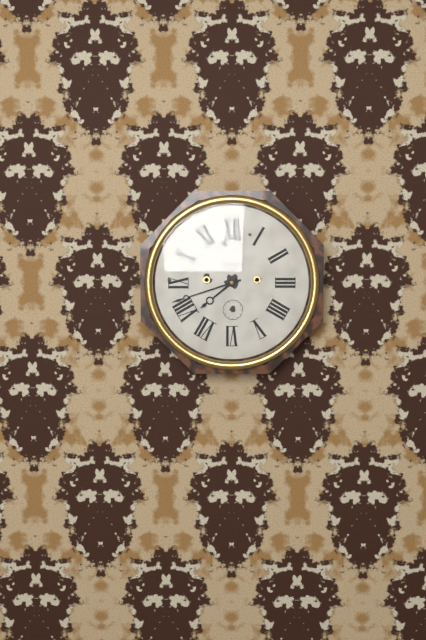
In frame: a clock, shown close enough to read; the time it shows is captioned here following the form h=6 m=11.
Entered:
h=7 m=42
